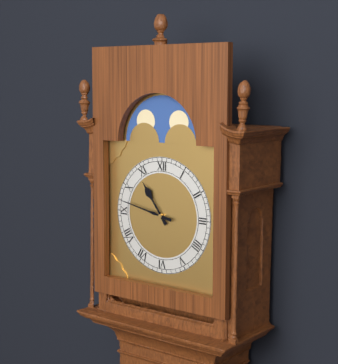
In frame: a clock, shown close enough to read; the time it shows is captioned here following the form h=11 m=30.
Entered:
h=10 m=47
